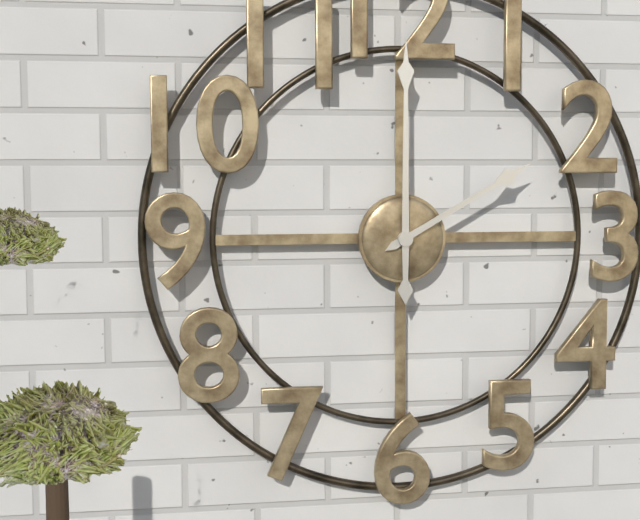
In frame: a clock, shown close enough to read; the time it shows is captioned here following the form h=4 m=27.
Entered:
h=2 m=0
